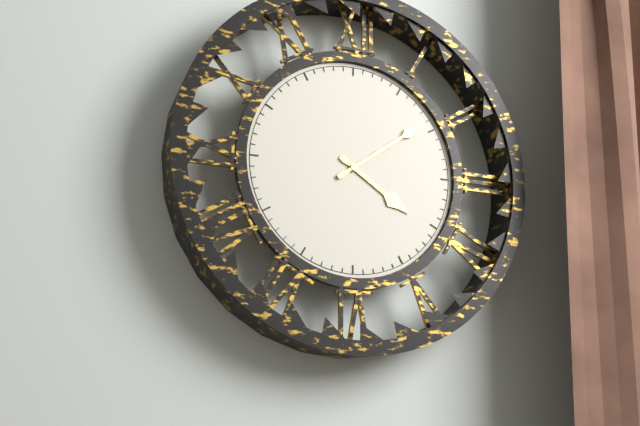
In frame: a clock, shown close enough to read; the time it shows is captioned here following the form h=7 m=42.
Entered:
h=4 m=9
